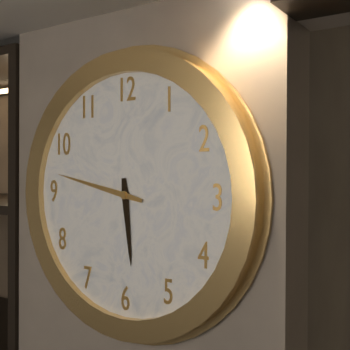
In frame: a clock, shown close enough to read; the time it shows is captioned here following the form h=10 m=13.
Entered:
h=5 m=47
